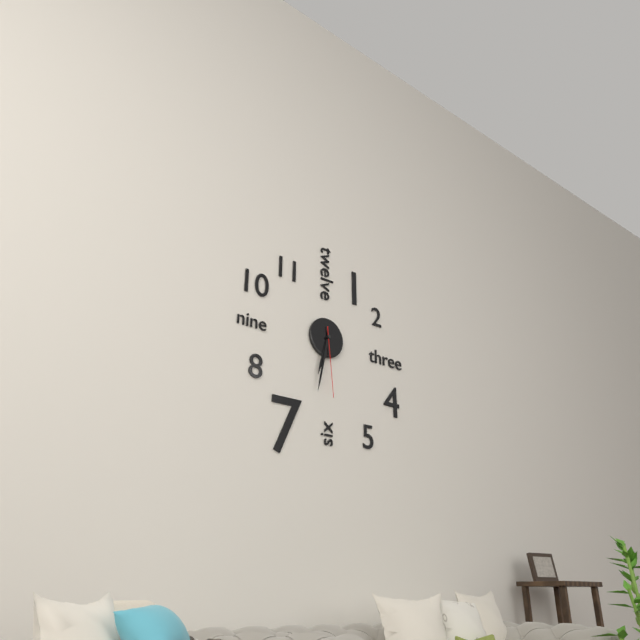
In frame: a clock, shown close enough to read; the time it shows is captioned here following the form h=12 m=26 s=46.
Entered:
h=6 m=32 s=29
